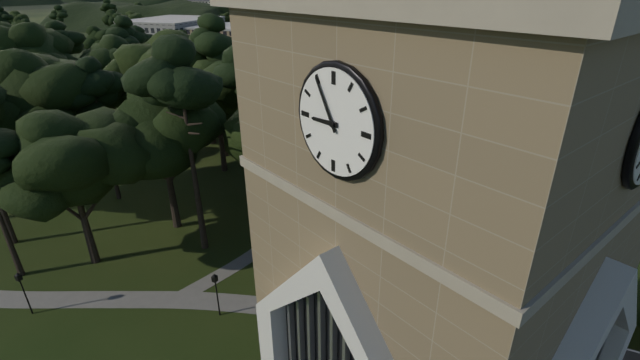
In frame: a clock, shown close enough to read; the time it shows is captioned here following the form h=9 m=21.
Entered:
h=8 m=55
